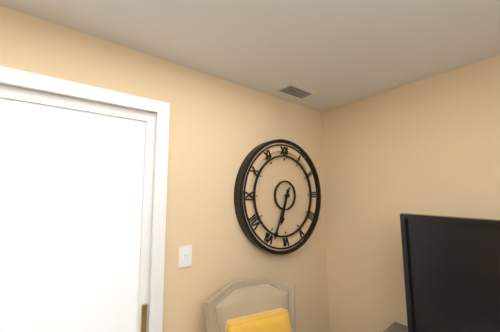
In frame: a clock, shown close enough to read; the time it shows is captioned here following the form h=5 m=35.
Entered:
h=6 m=34
